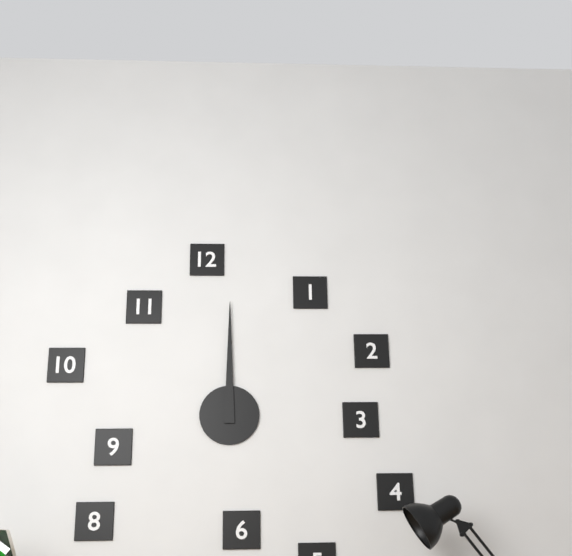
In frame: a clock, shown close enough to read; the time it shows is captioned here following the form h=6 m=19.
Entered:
h=12 m=0
